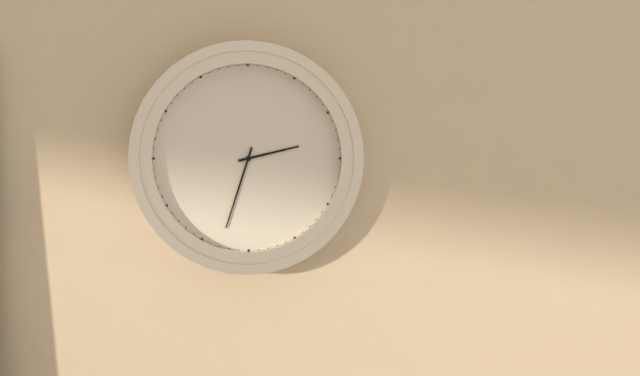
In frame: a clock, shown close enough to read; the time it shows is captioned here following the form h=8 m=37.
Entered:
h=2 m=33
